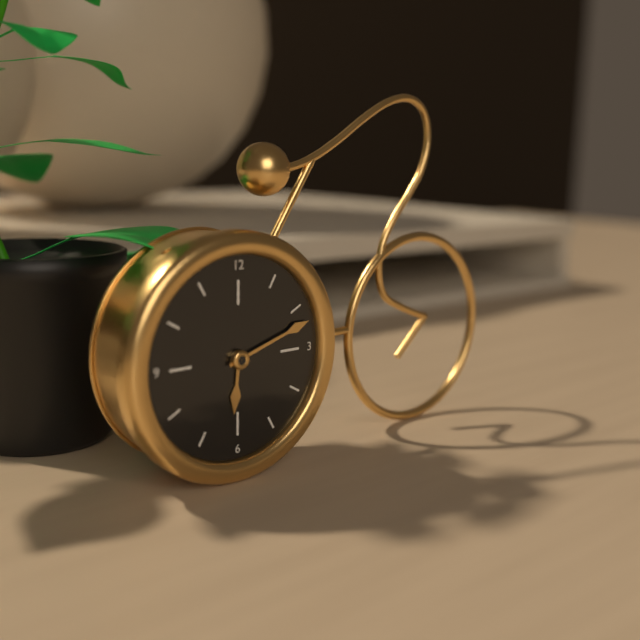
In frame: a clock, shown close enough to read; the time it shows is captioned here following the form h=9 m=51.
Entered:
h=6 m=12
